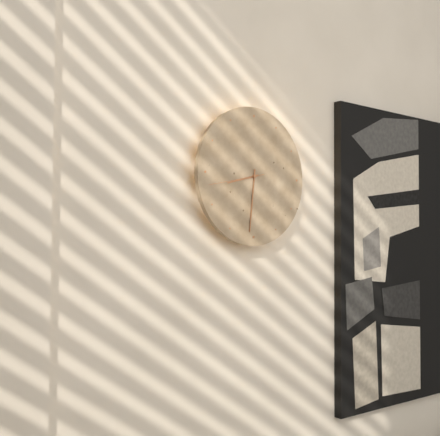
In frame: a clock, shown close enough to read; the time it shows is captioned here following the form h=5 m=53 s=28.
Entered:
h=8 m=31 s=43
